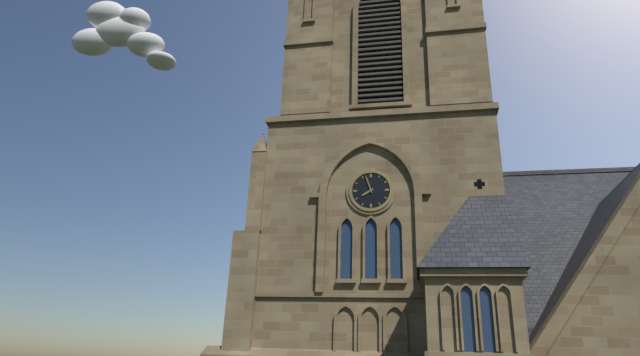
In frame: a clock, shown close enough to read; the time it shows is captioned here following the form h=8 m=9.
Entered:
h=7 m=57
